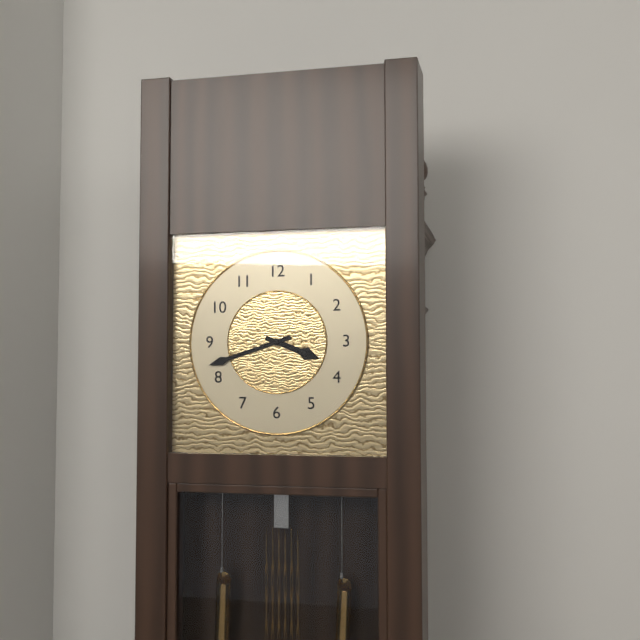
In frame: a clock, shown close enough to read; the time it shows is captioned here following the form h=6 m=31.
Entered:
h=3 m=42
